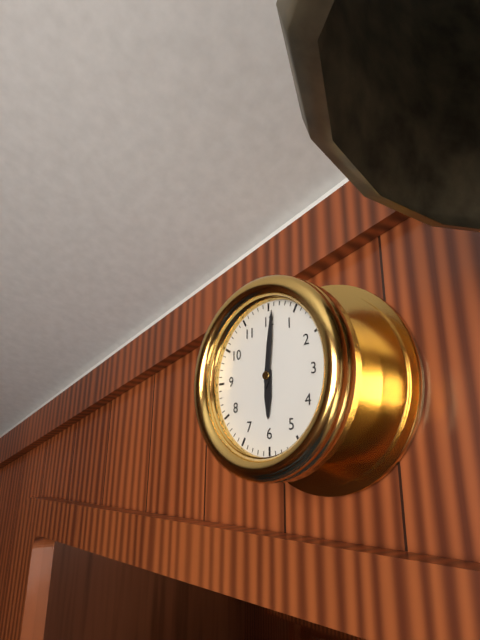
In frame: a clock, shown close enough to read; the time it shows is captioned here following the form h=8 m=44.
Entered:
h=6 m=1
